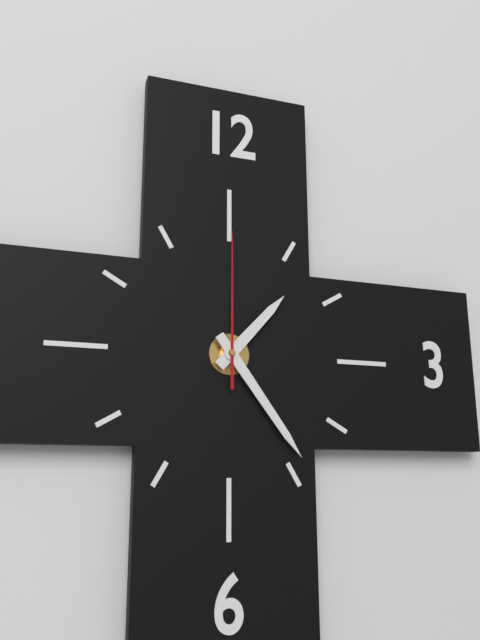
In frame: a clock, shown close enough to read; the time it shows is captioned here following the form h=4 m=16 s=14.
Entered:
h=1 m=24 s=0
